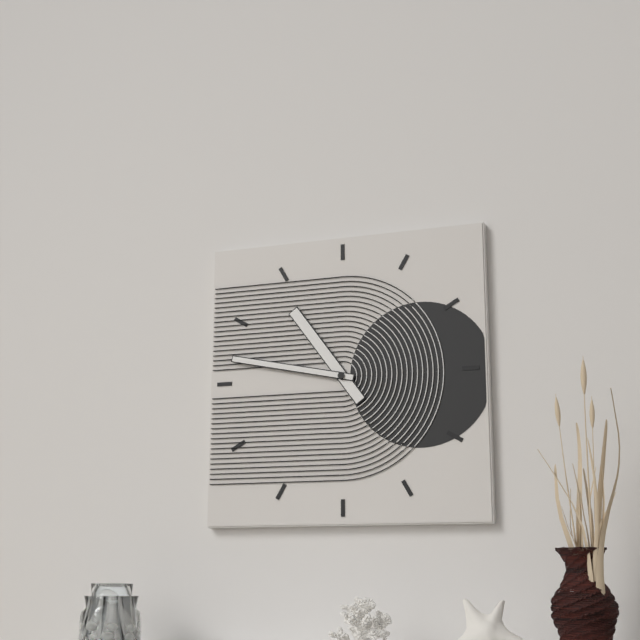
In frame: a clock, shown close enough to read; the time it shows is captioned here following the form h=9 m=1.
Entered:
h=10 m=47
